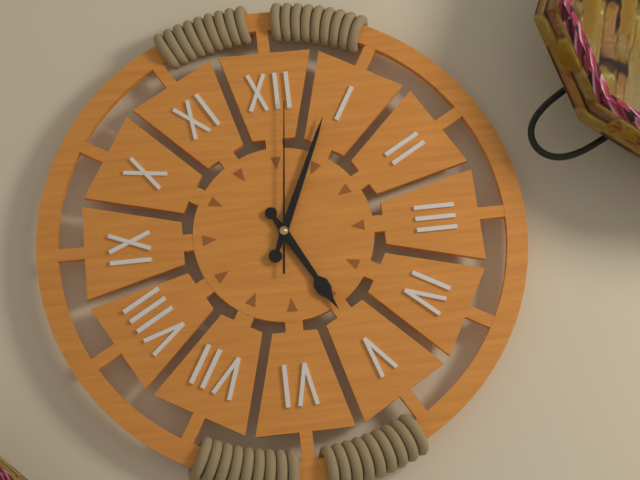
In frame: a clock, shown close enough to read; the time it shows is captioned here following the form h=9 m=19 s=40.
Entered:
h=5 m=4 s=1
